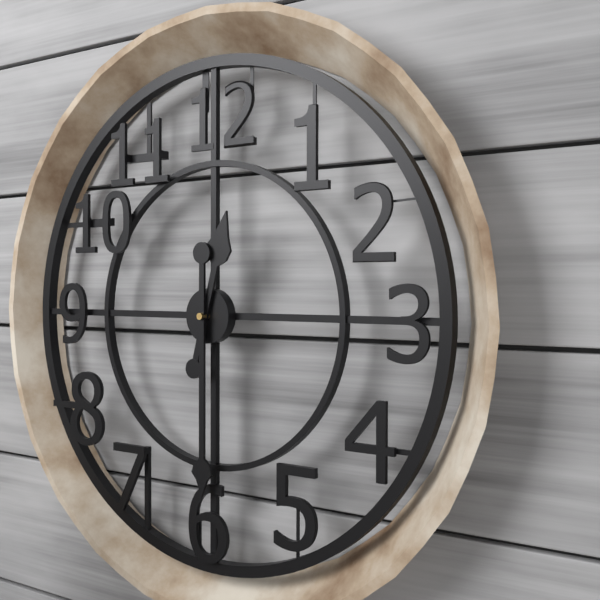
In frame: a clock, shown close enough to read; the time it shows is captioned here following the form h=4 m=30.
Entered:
h=12 m=30
